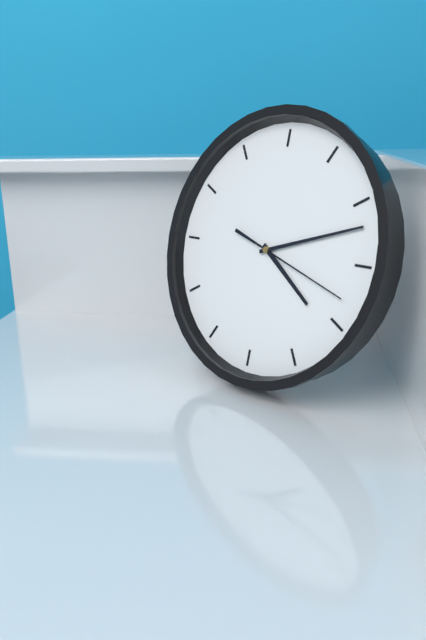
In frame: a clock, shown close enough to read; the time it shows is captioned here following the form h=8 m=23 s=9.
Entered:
h=4 m=12 s=18
